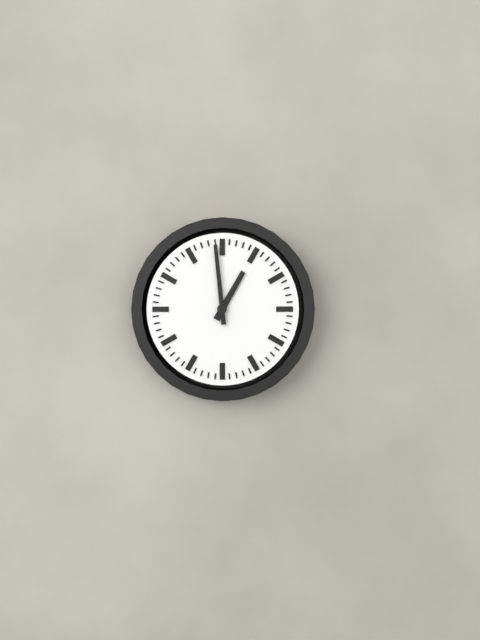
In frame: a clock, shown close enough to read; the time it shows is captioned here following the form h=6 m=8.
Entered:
h=12 m=59
